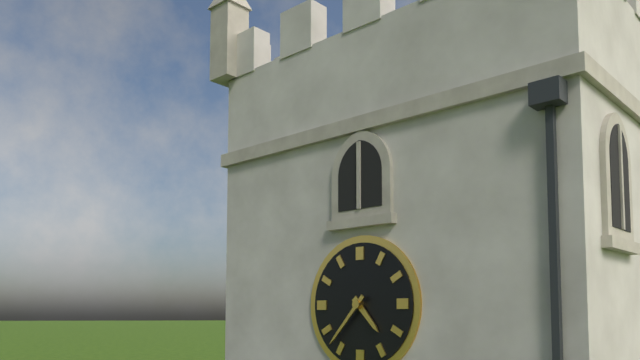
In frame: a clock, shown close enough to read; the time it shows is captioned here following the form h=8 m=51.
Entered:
h=4 m=37
